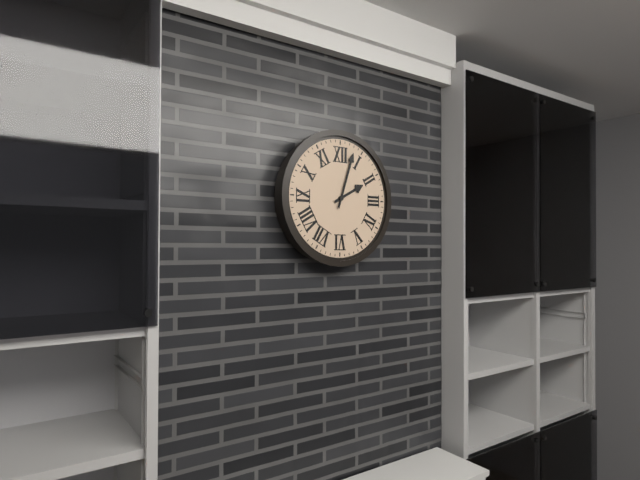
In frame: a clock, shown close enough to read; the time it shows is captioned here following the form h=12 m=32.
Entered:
h=2 m=3
